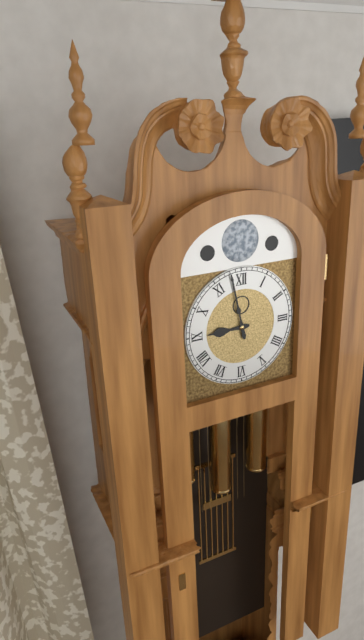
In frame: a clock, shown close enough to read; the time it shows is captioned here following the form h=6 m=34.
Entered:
h=8 m=58
